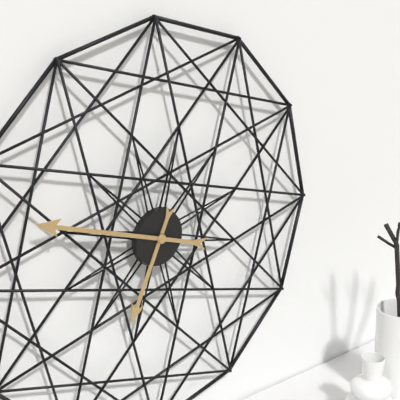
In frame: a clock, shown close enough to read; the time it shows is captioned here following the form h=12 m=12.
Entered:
h=6 m=48
